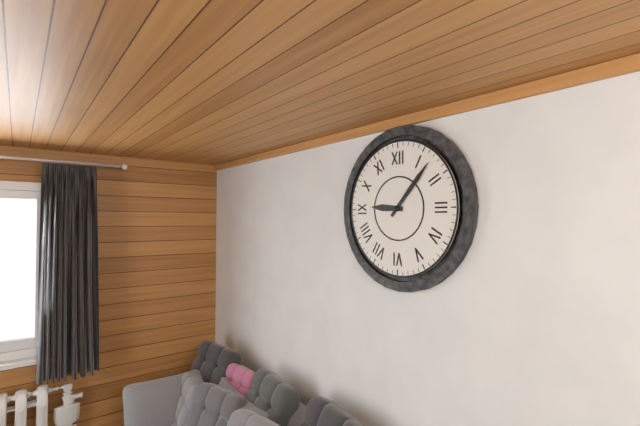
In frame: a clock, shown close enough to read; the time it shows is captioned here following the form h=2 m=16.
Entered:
h=9 m=7
